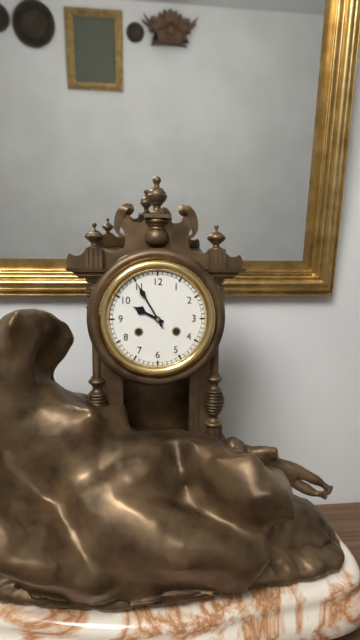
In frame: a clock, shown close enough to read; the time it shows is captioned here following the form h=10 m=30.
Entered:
h=9 m=55
